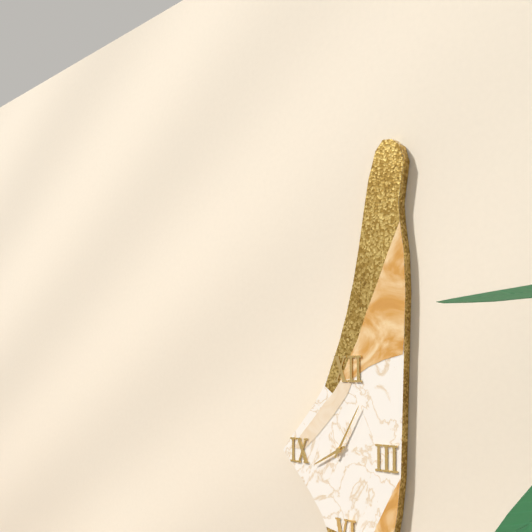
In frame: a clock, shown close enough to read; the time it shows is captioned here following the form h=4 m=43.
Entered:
h=8 m=5
